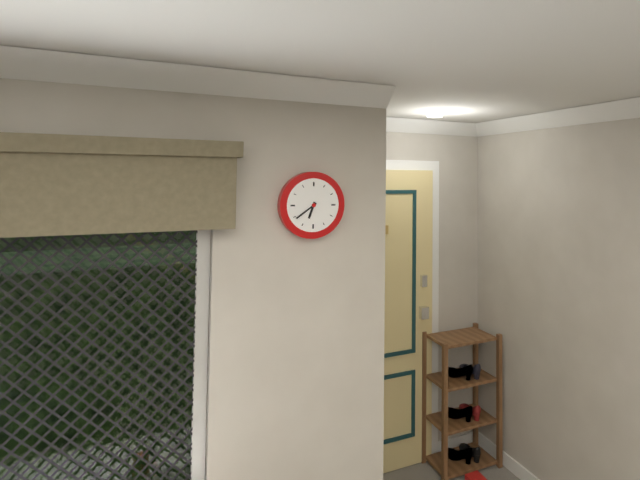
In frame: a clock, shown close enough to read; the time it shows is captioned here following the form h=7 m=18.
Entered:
h=6 m=39
